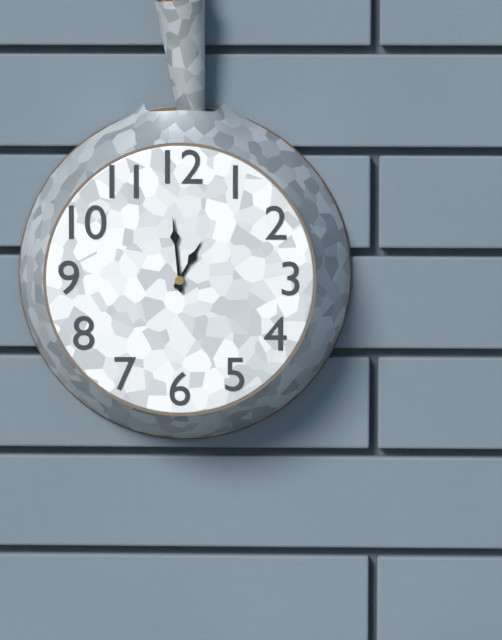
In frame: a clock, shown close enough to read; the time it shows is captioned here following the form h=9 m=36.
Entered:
h=12 m=59
